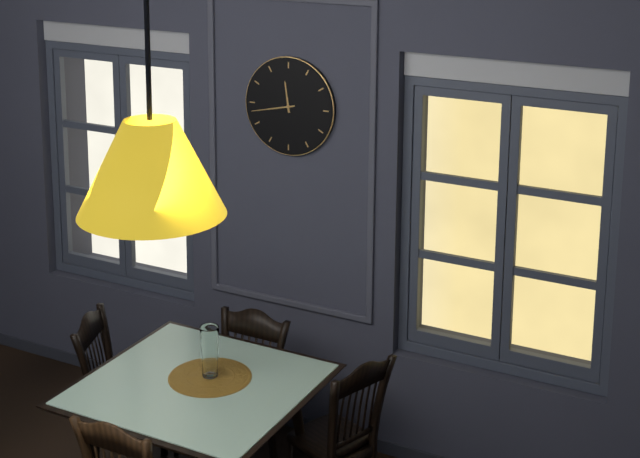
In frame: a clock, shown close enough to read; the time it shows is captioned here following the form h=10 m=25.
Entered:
h=11 m=43
